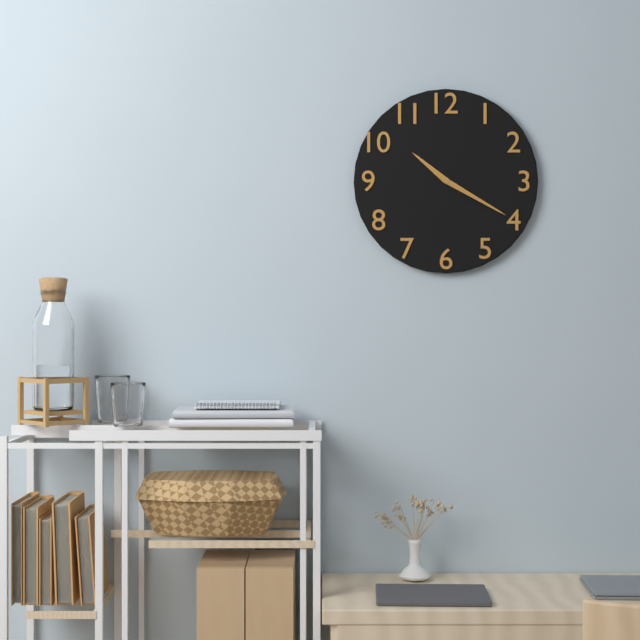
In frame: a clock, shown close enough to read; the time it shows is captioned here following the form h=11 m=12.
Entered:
h=10 m=20
